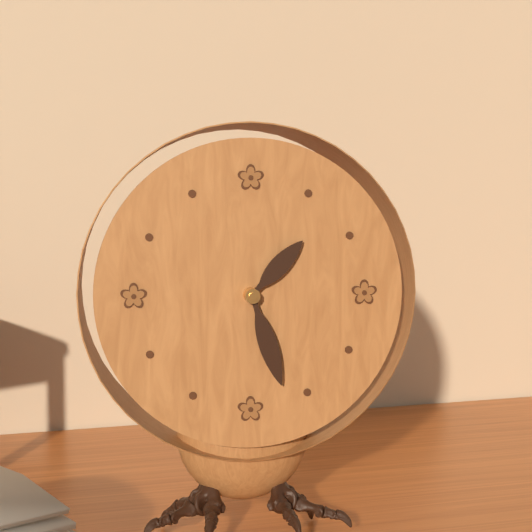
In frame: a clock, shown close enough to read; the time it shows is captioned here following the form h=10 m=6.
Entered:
h=1 m=27
